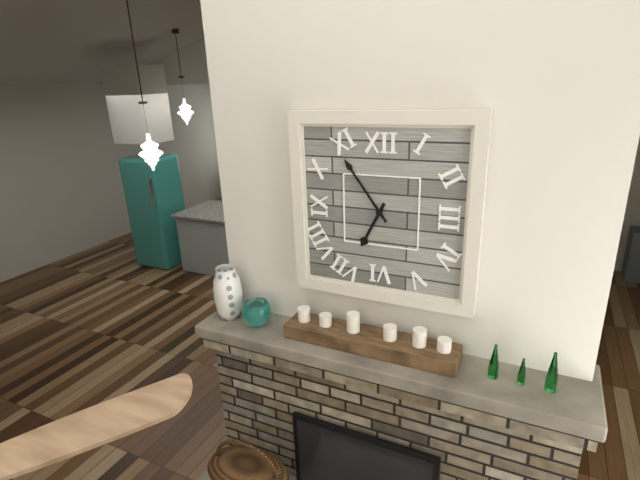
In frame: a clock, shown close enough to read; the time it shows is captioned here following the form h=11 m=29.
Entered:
h=6 m=54
